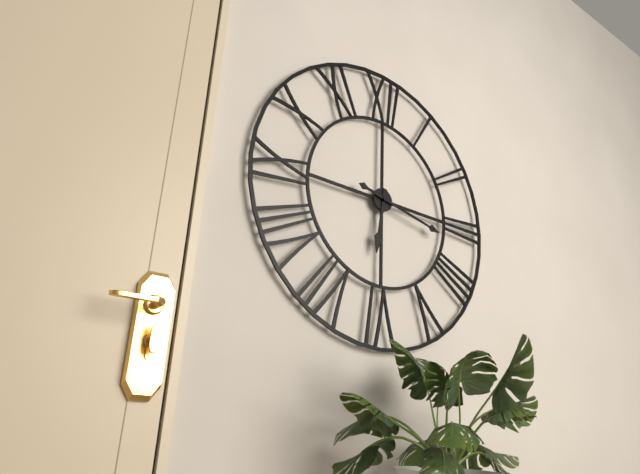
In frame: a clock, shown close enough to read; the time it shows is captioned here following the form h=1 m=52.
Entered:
h=6 m=17
